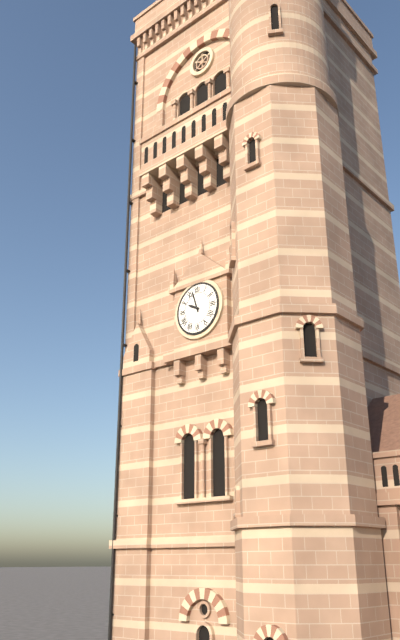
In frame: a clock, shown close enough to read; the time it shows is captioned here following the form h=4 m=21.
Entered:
h=9 m=57
